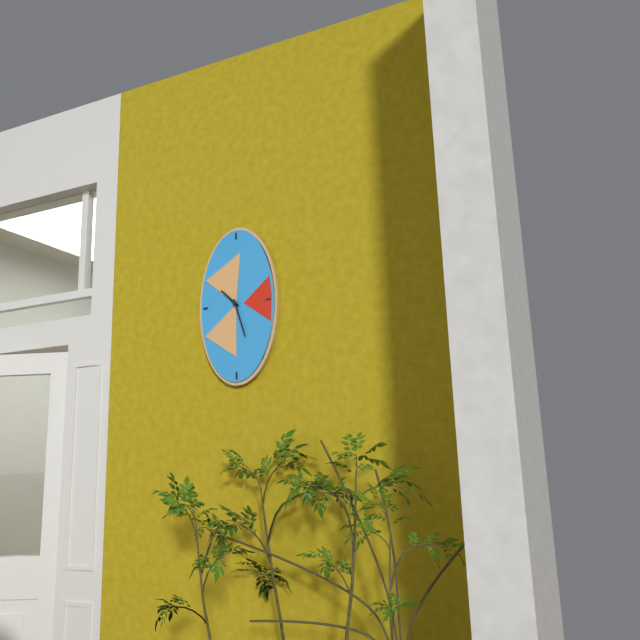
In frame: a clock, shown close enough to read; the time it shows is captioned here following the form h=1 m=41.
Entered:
h=10 m=27
